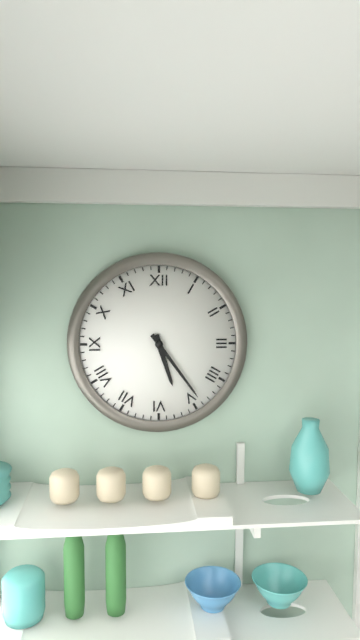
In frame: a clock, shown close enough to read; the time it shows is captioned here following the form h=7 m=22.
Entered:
h=5 m=24
